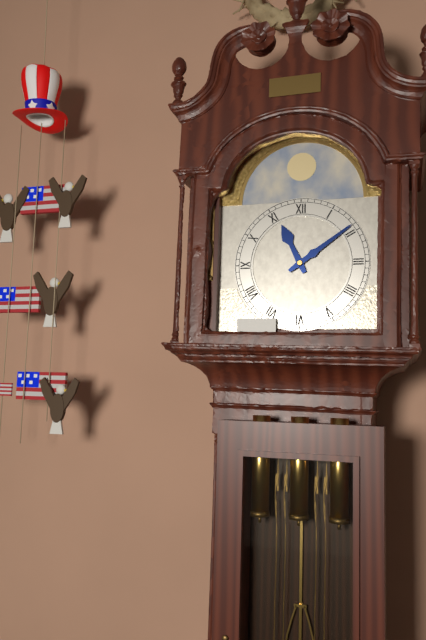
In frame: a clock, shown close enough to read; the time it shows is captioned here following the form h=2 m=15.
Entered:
h=11 m=9
